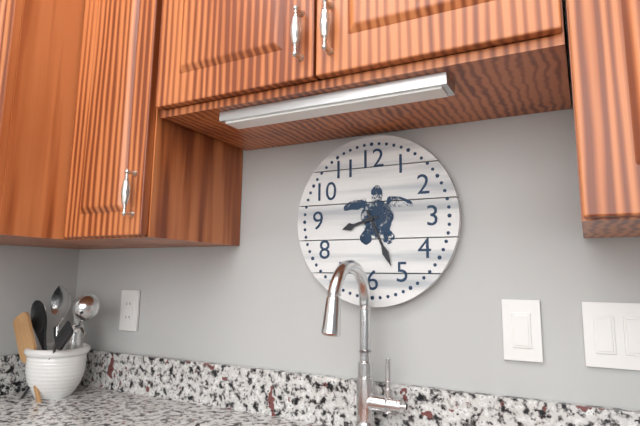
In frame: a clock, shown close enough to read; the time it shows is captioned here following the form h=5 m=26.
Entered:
h=8 m=26
